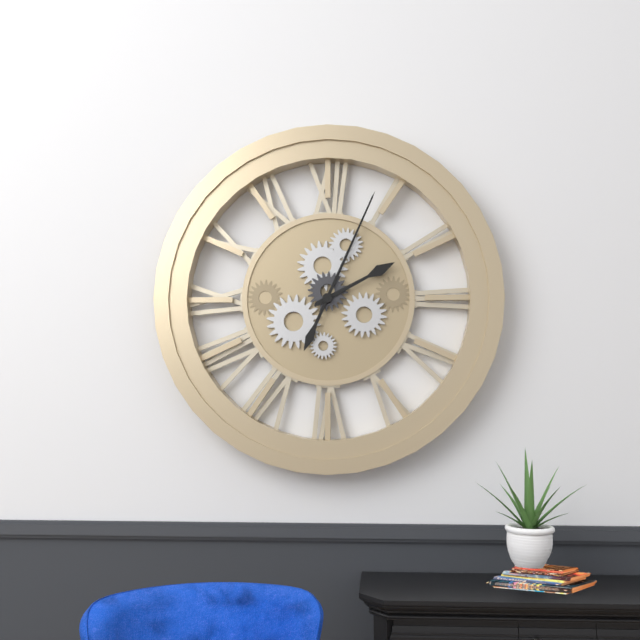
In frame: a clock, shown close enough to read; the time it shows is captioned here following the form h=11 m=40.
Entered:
h=2 m=4
